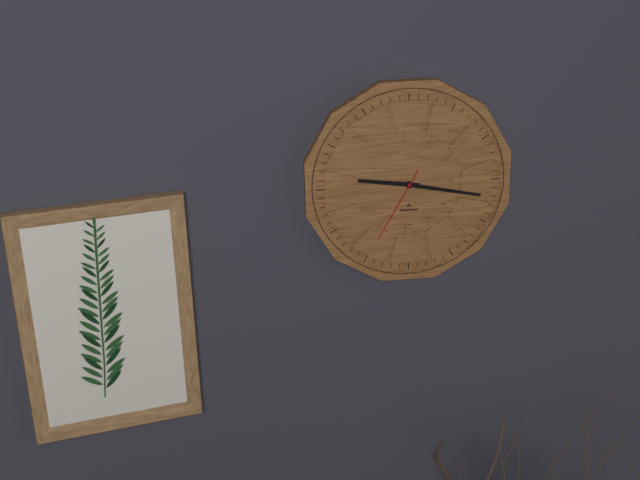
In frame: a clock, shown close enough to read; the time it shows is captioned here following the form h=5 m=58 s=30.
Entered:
h=9 m=17 s=35
